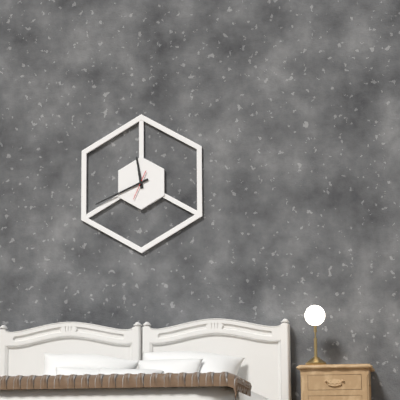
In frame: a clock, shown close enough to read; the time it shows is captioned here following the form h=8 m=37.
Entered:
h=11 m=41
